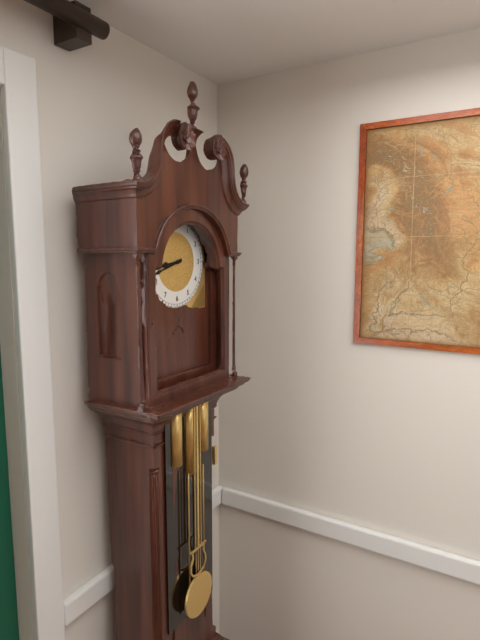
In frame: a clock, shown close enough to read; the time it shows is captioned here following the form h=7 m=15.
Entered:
h=8 m=42
